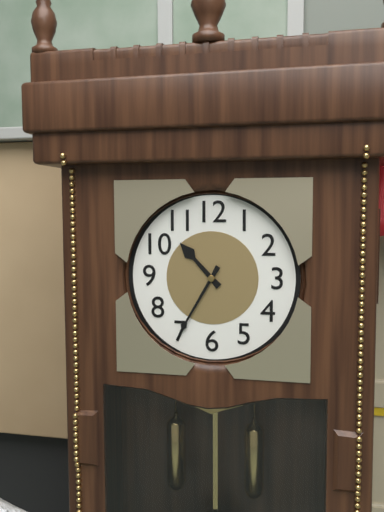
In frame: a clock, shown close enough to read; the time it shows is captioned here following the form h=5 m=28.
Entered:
h=10 m=35
